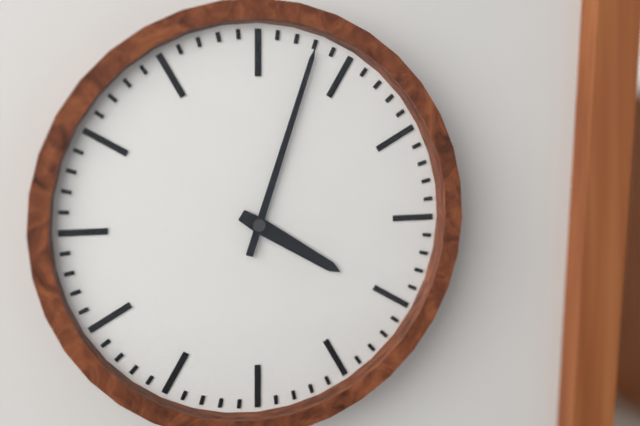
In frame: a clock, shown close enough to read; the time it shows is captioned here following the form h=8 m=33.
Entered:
h=4 m=3
